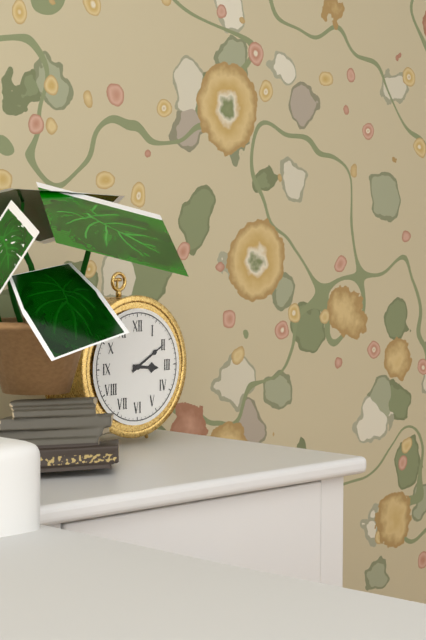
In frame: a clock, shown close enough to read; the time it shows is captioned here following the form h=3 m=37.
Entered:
h=3 m=10
